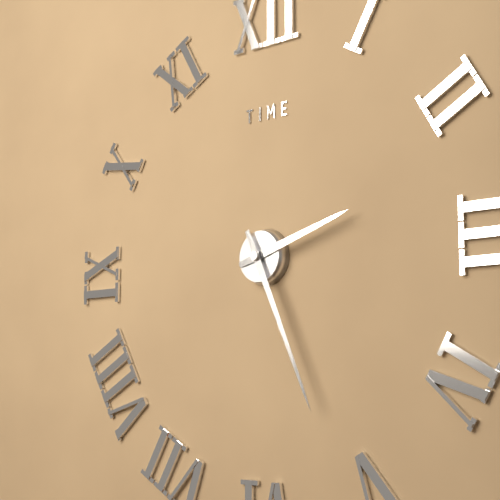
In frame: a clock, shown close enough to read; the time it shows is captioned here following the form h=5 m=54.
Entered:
h=2 m=26
